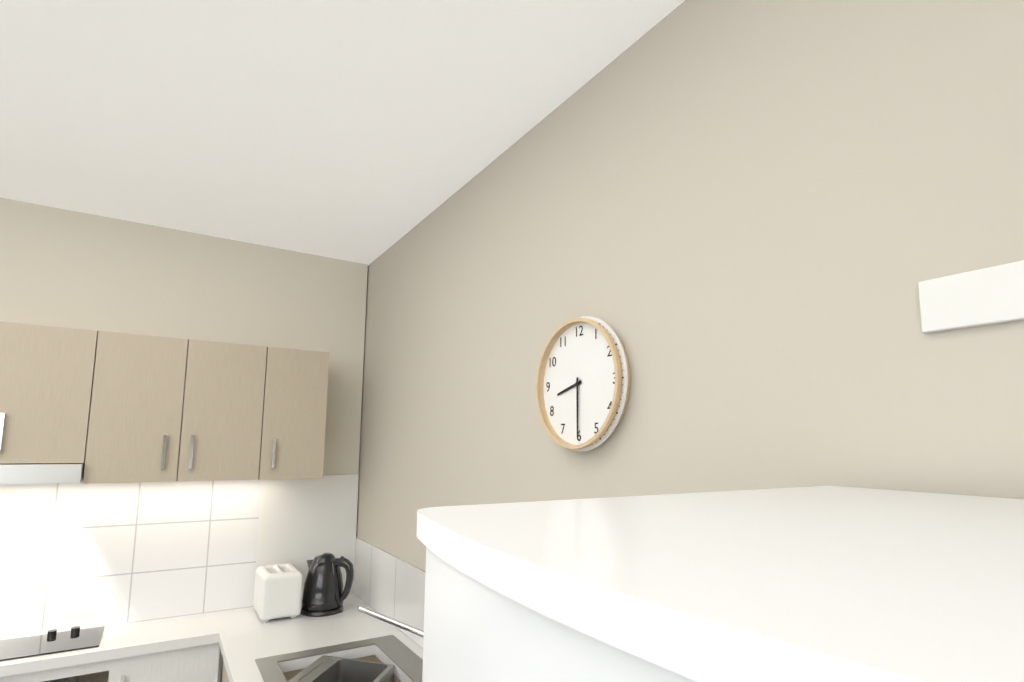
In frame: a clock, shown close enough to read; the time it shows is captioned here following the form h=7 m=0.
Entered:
h=8 m=30
